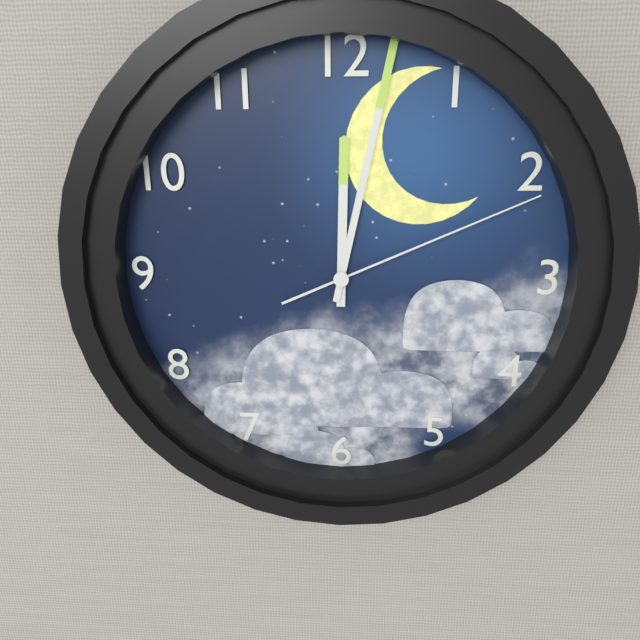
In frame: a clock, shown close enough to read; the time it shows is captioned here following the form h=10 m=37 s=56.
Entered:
h=12 m=2 s=11
